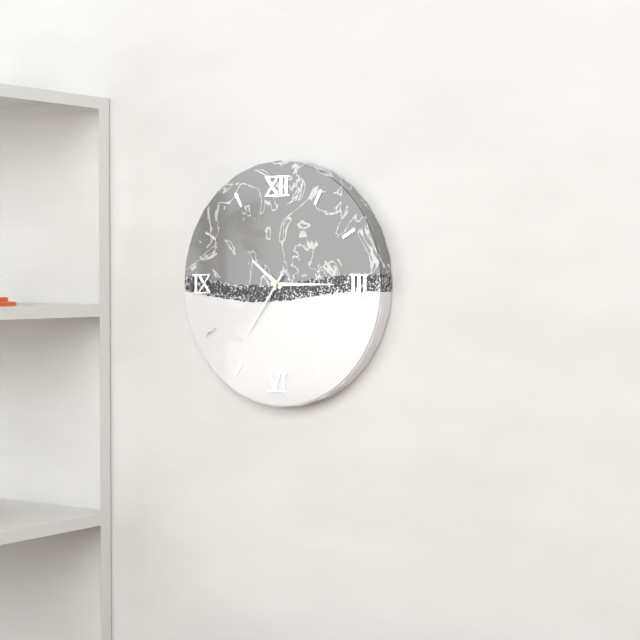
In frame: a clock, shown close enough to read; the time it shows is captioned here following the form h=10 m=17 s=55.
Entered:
h=10 m=15 s=36
